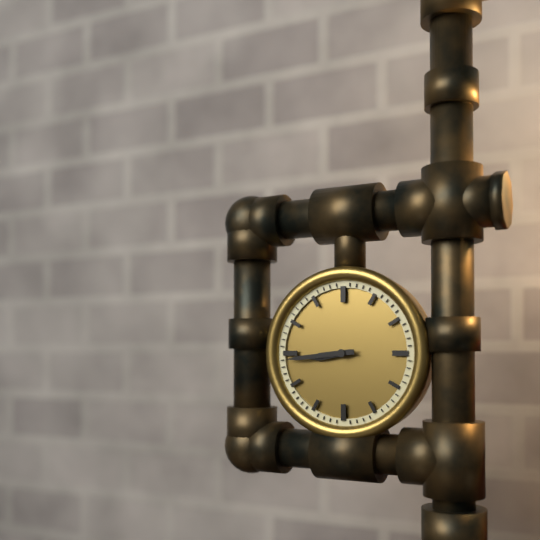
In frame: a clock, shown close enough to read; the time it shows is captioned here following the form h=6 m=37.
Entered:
h=8 m=44
